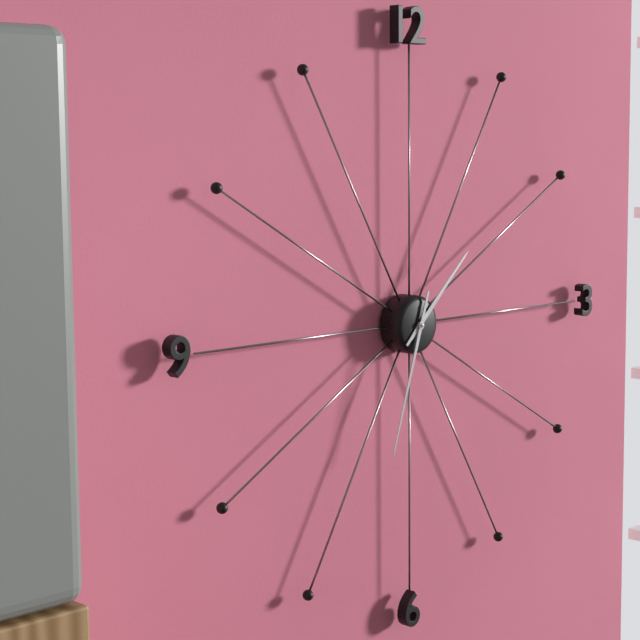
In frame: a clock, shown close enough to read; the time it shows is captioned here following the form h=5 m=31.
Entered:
h=1 m=33
